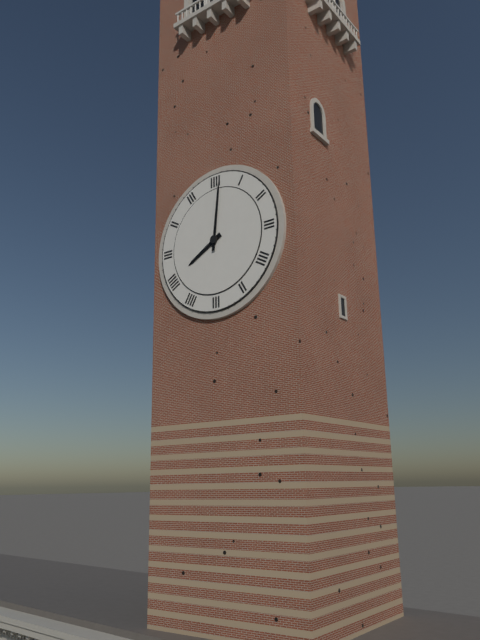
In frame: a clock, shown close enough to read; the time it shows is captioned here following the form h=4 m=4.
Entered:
h=8 m=1
